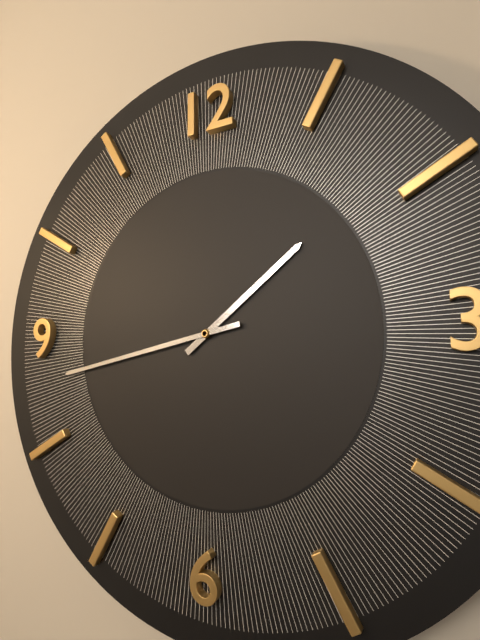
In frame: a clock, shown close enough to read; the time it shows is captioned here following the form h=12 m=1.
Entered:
h=1 m=43
